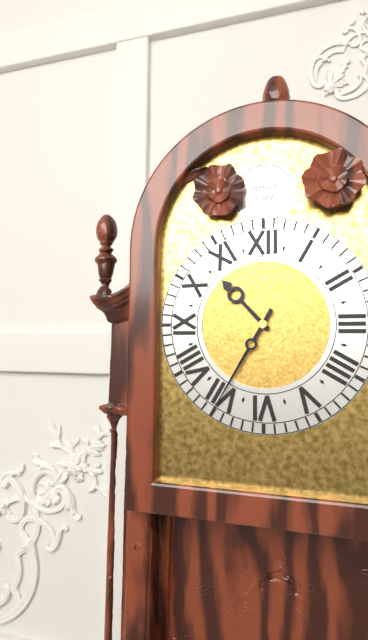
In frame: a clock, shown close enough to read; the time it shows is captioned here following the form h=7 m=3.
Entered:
h=10 m=35
